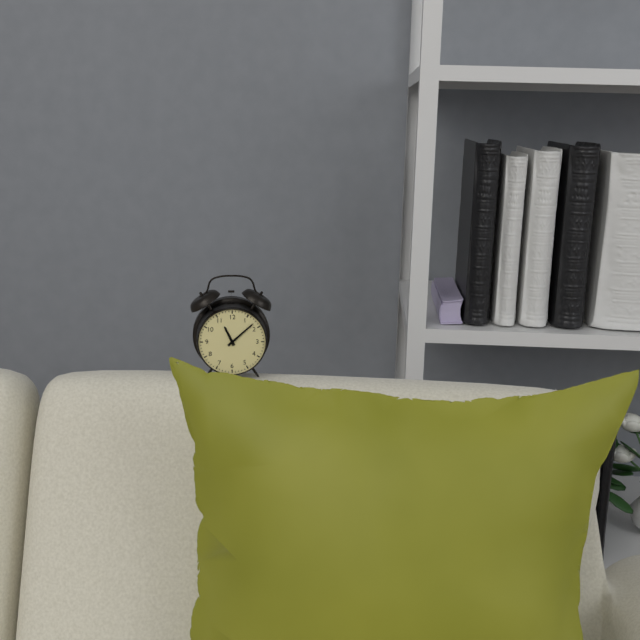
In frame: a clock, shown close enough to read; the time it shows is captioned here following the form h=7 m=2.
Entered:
h=11 m=8
